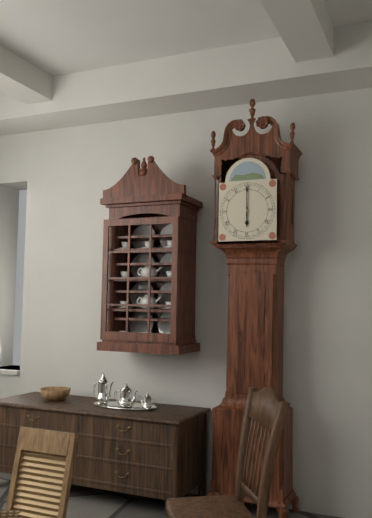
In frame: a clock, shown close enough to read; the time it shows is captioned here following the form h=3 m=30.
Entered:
h=6 m=0
